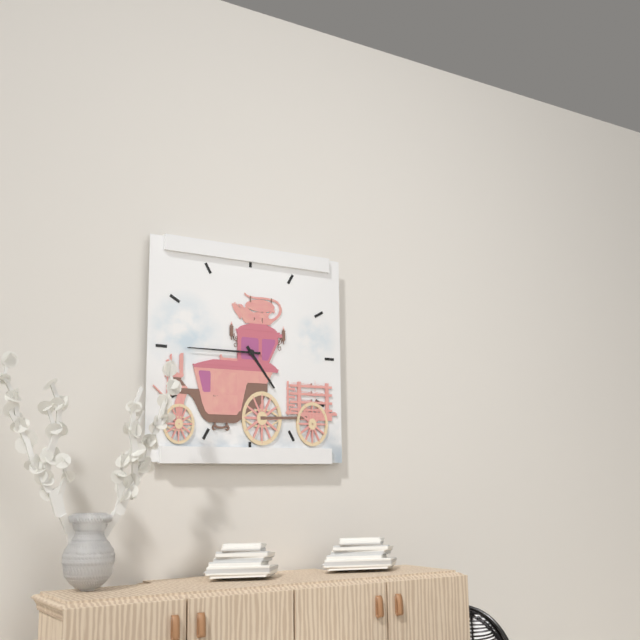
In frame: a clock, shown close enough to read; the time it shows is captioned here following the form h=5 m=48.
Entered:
h=4 m=45
